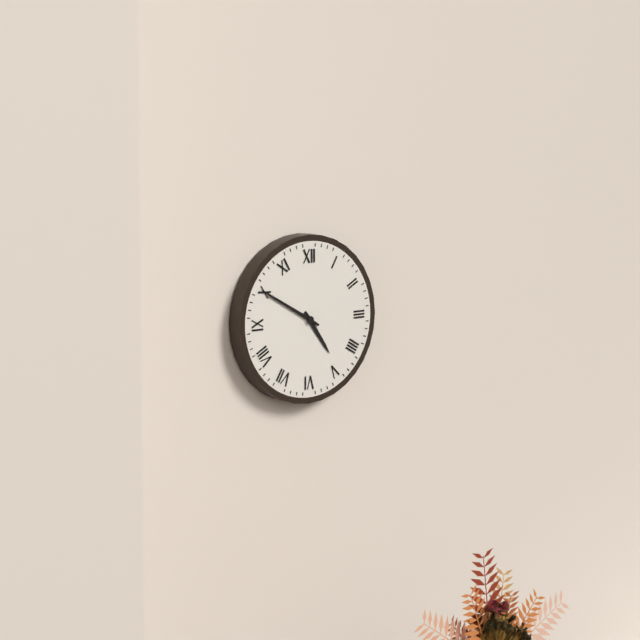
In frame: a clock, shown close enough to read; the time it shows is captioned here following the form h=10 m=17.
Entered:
h=4 m=50
